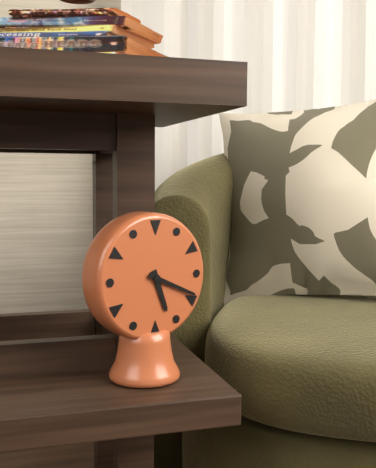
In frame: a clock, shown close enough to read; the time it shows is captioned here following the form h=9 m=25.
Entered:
h=5 m=19
